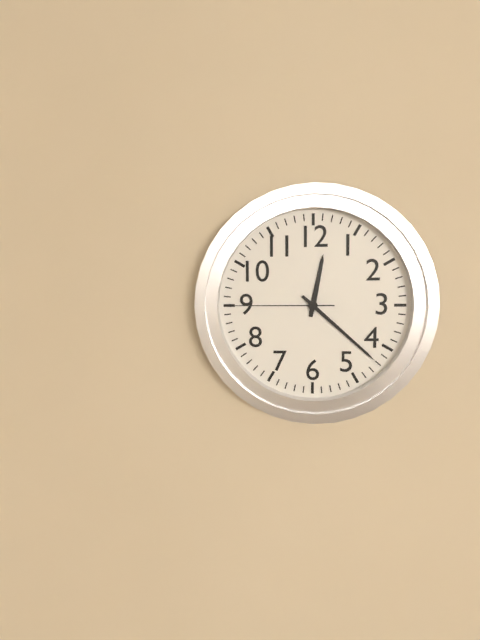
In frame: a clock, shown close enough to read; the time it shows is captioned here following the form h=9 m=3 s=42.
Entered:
h=12 m=22 s=45
